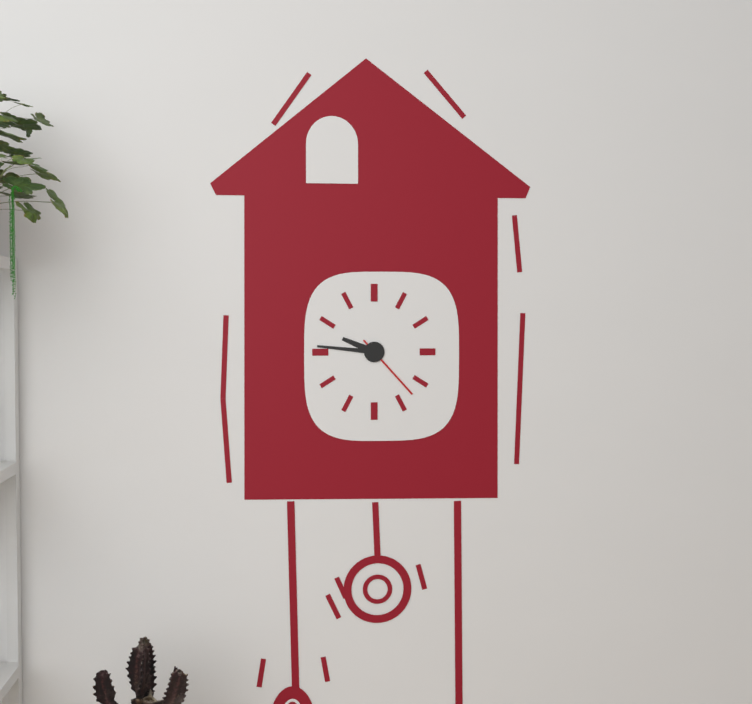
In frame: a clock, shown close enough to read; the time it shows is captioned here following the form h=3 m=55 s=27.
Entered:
h=9 m=46 s=23
